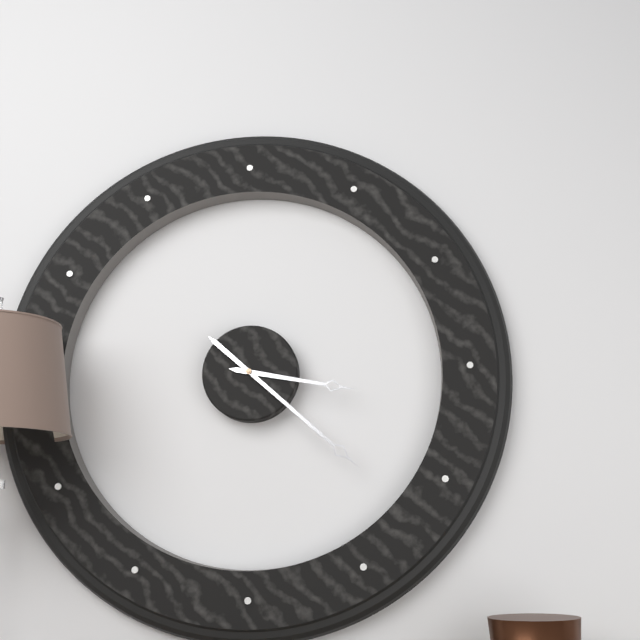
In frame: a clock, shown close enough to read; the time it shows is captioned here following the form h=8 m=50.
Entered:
h=3 m=22
